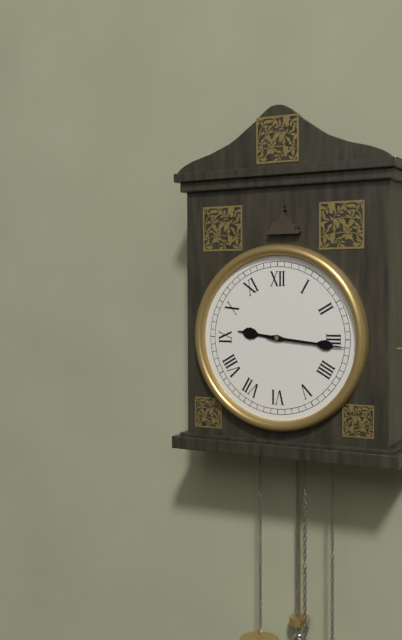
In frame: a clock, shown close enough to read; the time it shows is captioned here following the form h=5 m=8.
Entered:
h=9 m=16
